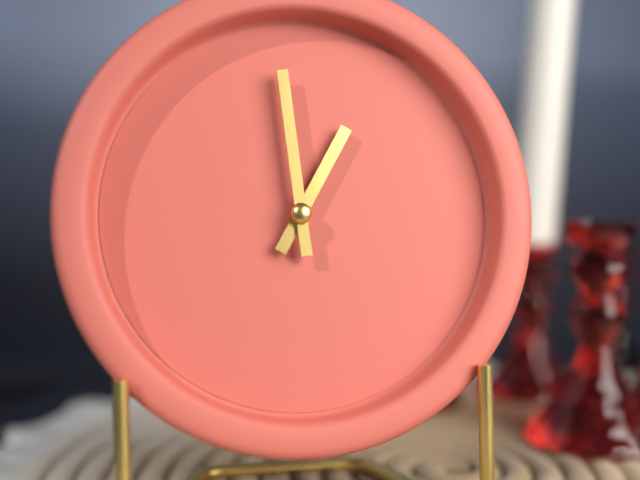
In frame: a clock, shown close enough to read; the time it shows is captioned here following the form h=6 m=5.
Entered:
h=12 m=59
